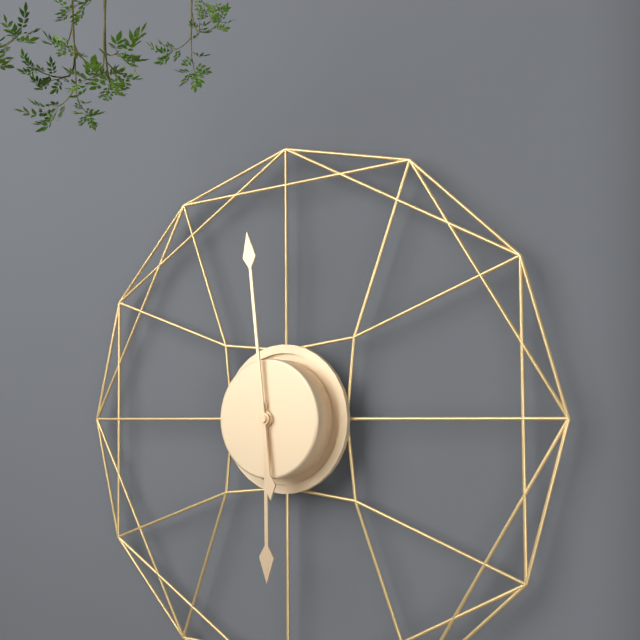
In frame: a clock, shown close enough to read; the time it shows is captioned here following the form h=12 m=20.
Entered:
h=5 m=59
